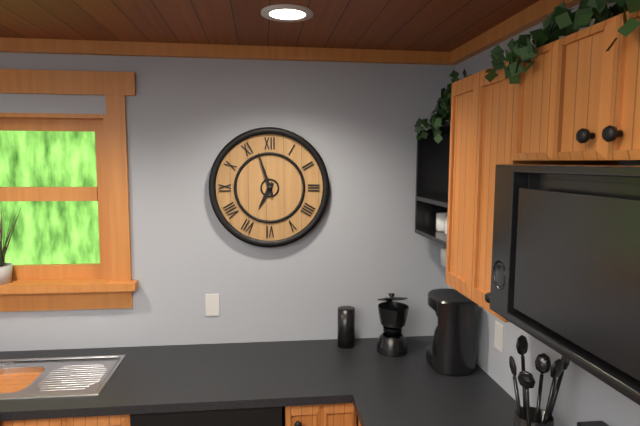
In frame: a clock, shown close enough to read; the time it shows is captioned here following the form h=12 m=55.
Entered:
h=6 m=57
